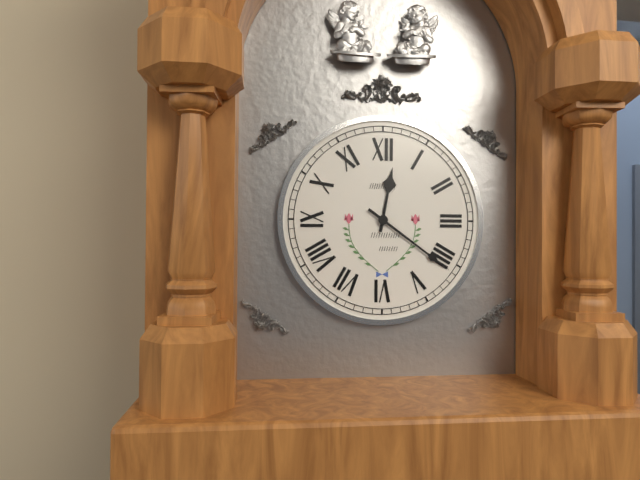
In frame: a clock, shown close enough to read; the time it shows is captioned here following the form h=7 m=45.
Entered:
h=12 m=21
